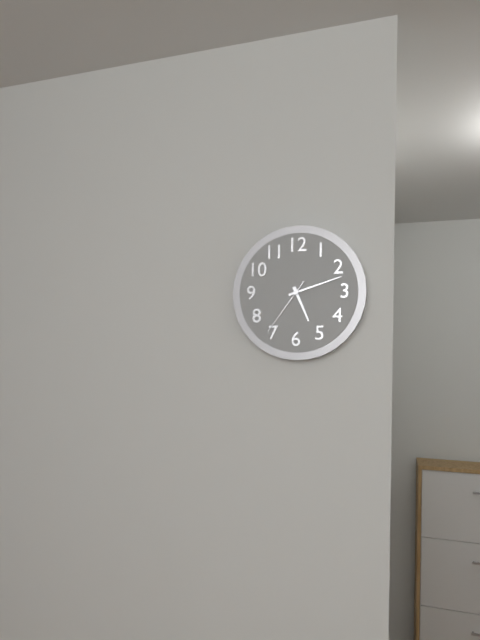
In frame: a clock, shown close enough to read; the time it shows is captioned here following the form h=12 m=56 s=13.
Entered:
h=5 m=12 s=36
